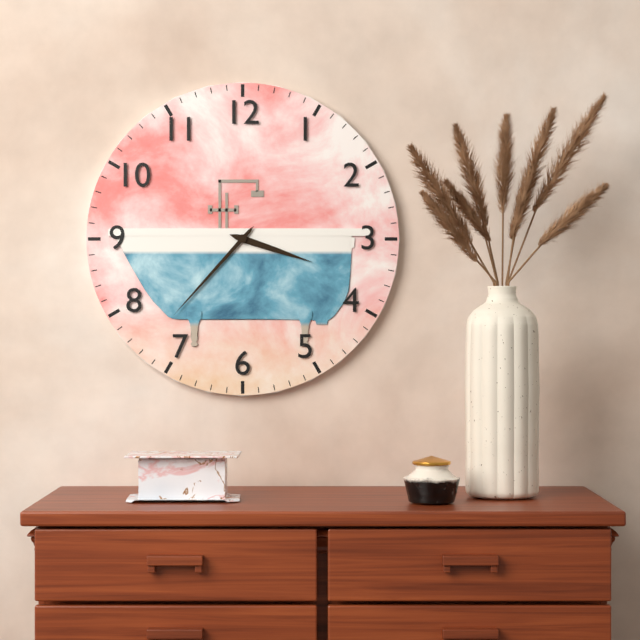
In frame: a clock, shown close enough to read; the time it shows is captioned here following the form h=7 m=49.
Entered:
h=3 m=37
